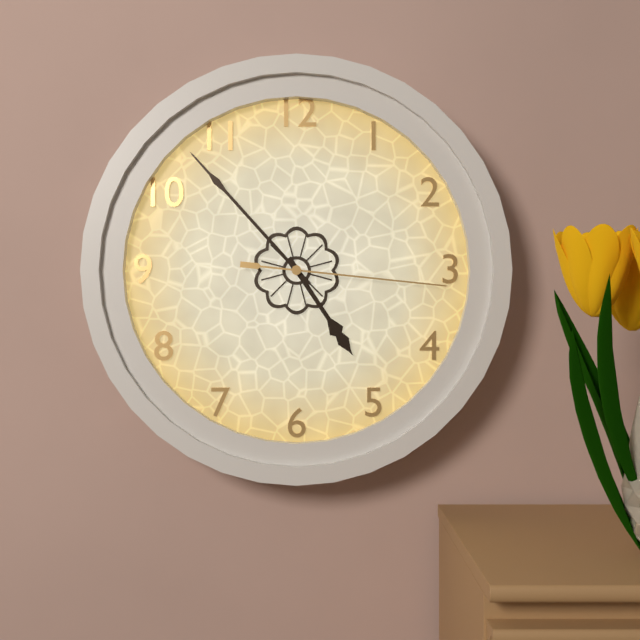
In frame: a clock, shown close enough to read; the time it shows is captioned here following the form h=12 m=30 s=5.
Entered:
h=4 m=53 s=16
